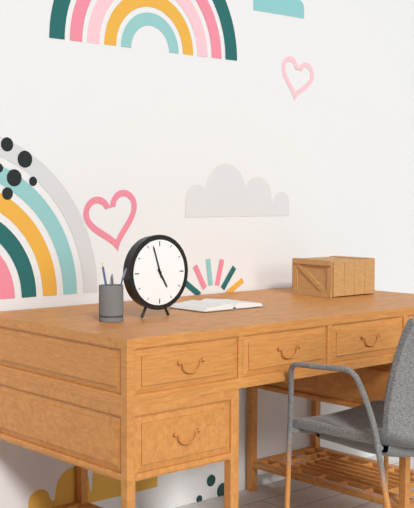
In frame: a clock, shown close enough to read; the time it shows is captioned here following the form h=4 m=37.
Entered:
h=4 m=57
